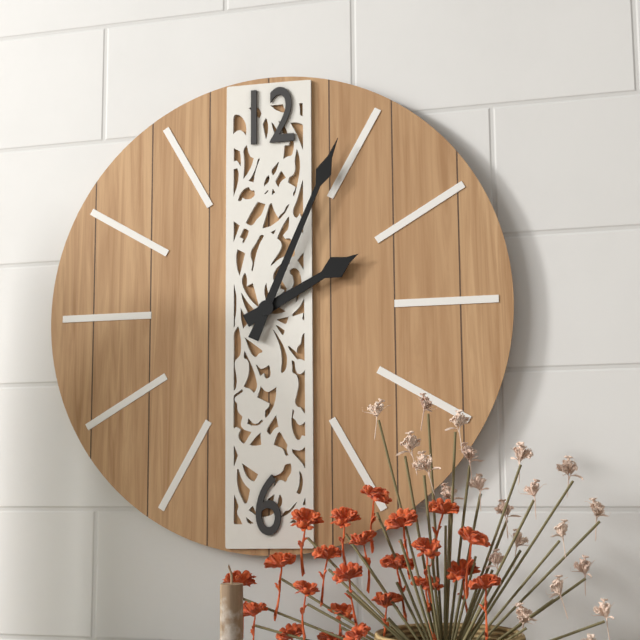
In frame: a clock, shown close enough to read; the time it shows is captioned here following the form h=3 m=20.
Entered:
h=2 m=4
